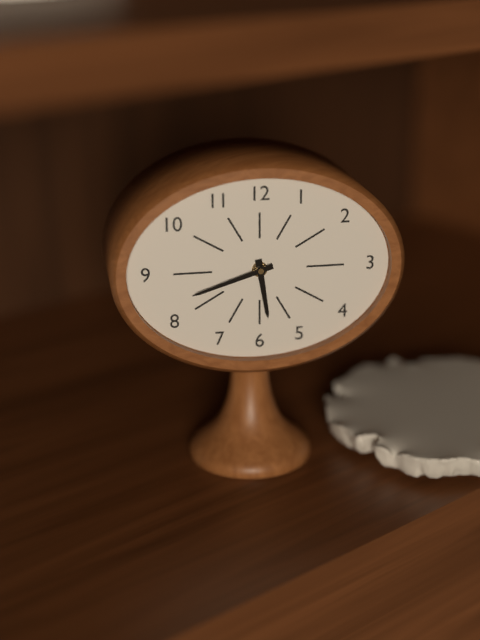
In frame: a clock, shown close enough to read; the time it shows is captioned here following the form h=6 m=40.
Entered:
h=5 m=42
